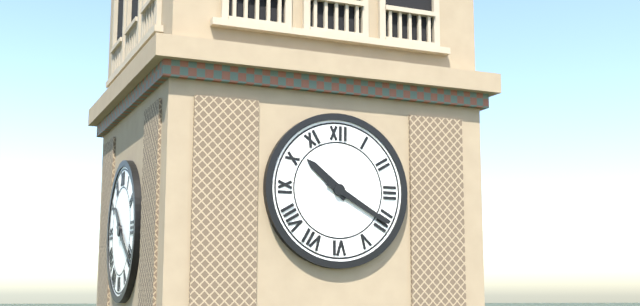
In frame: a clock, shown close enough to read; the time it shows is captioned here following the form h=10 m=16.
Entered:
h=10 m=20
